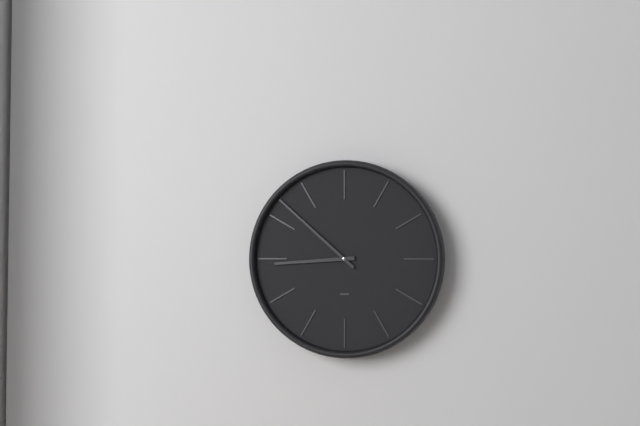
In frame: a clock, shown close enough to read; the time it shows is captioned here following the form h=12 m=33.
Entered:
h=8 m=52
